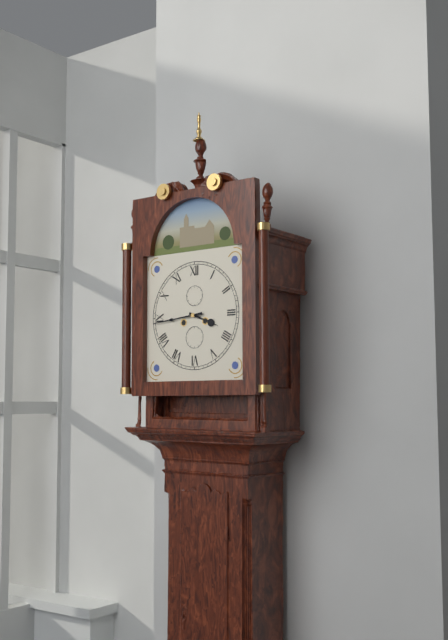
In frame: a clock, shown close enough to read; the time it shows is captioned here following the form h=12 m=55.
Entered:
h=3 m=44
